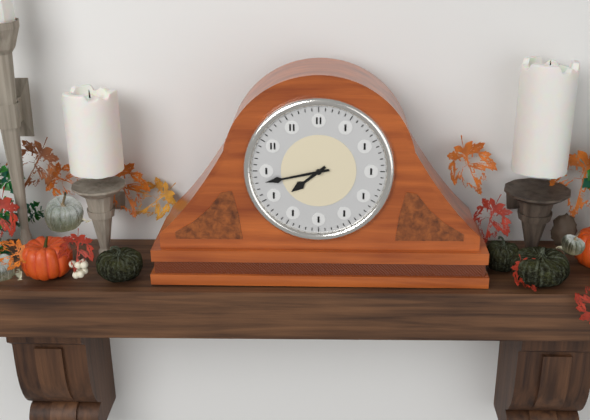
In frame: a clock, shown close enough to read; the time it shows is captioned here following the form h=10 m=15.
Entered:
h=7 m=43
